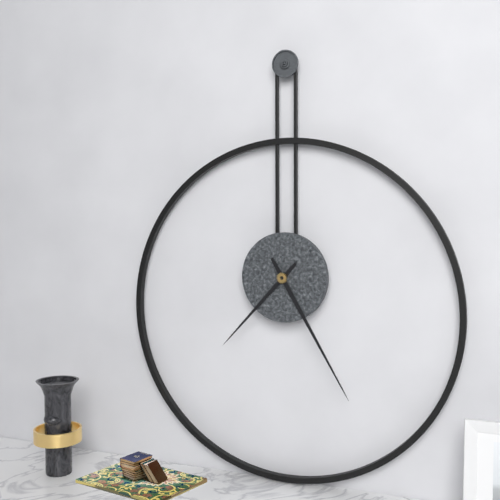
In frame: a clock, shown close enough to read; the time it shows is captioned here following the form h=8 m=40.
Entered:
h=7 m=25
